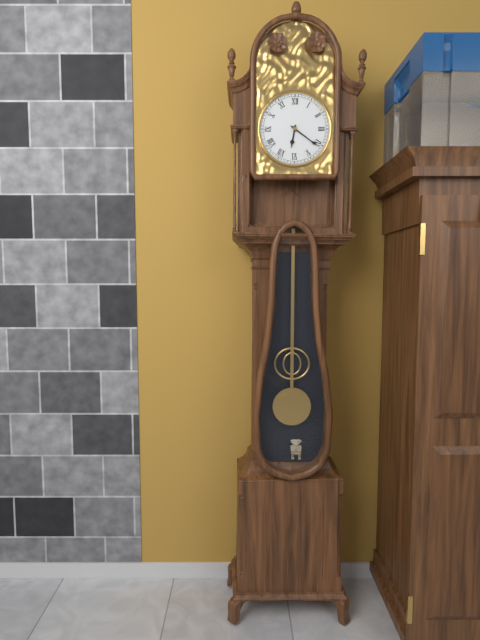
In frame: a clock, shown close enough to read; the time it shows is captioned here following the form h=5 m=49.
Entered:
h=6 m=21
